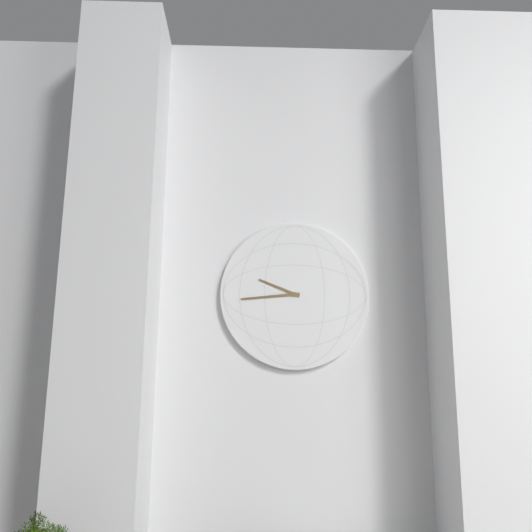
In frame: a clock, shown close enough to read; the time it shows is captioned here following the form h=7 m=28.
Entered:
h=9 m=44
